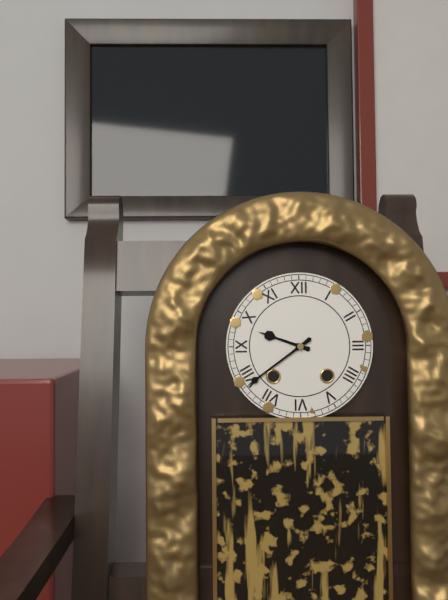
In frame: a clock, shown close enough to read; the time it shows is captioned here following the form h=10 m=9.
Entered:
h=9 m=39
